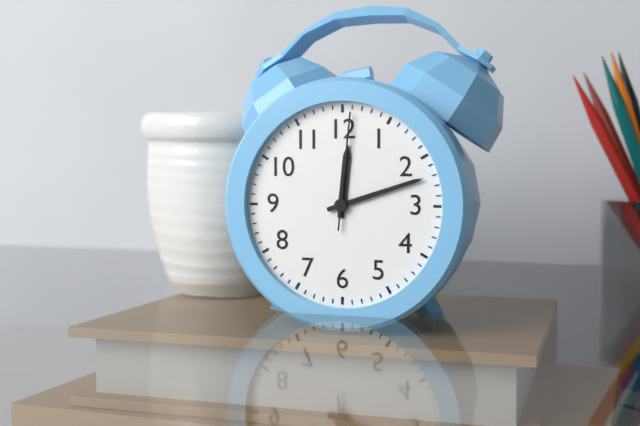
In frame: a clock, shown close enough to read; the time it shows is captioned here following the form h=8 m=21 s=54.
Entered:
h=12 m=12 s=1
